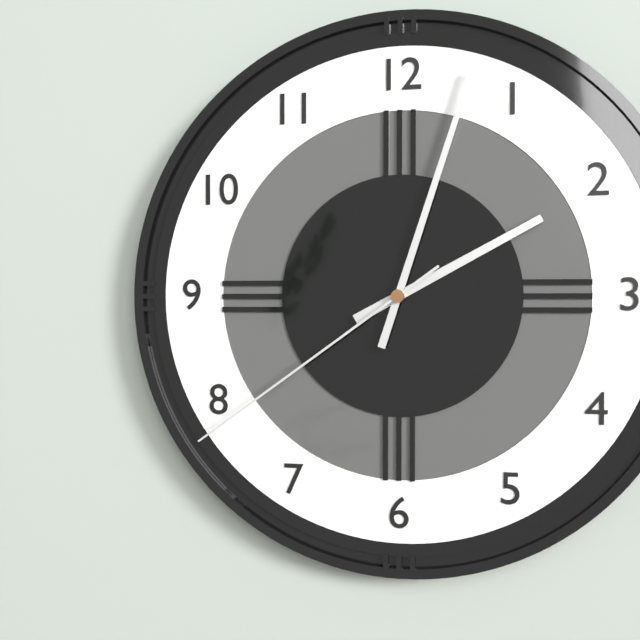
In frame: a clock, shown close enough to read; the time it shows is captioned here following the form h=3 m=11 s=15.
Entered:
h=2 m=3 s=39
